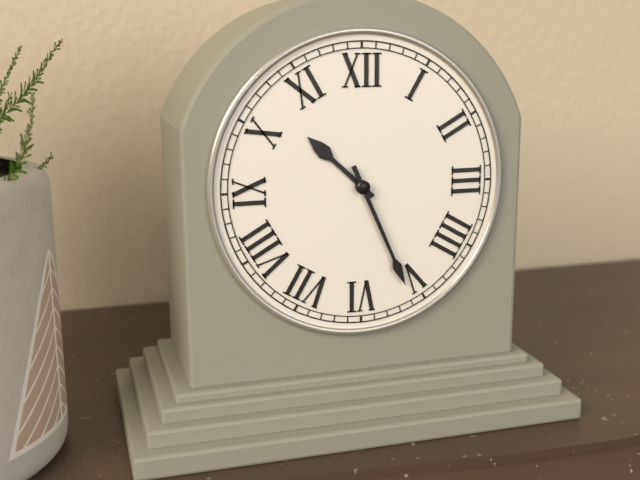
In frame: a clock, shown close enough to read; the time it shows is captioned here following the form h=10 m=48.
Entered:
h=10 m=26
